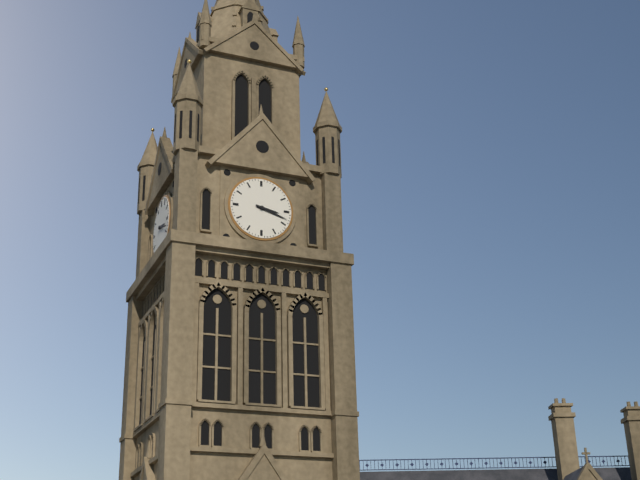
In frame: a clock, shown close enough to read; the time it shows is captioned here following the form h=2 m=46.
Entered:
h=3 m=18
